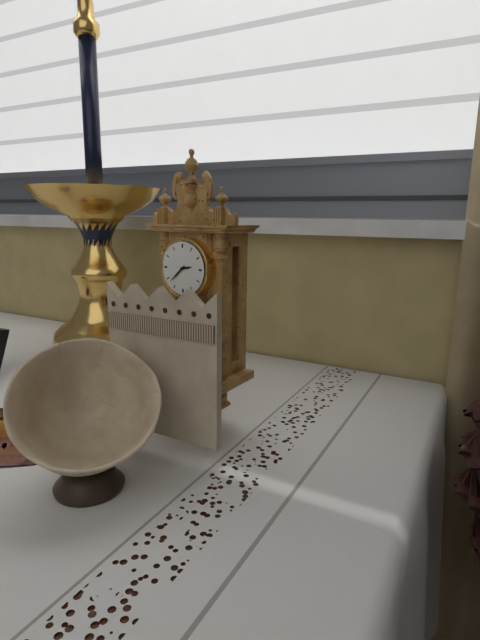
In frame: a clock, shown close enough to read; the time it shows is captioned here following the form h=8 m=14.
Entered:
h=2 m=38
